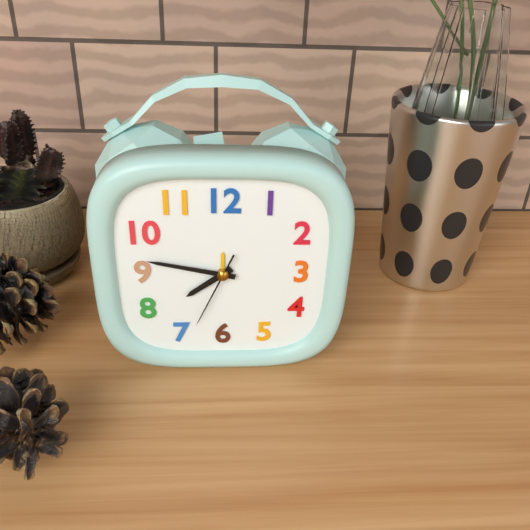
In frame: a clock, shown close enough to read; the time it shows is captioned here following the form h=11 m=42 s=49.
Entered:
h=7 m=47 s=34
